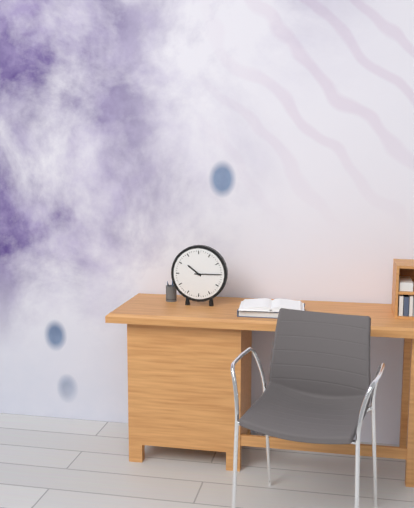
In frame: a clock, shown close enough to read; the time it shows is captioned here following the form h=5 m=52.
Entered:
h=10 m=15
